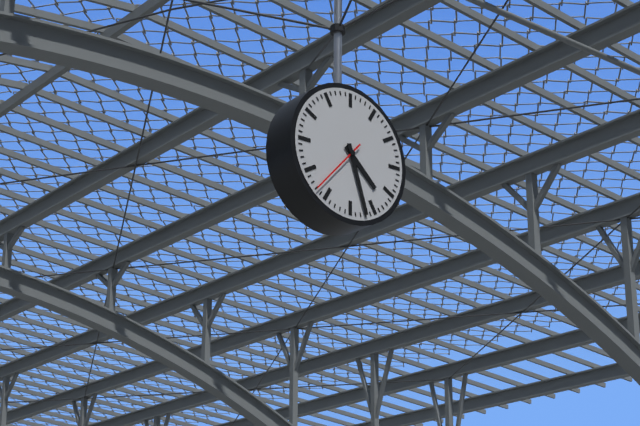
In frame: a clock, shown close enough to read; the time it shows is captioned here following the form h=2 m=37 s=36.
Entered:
h=4 m=27 s=37
